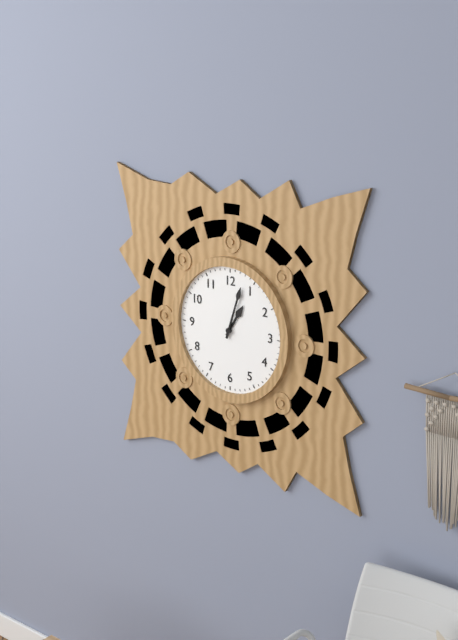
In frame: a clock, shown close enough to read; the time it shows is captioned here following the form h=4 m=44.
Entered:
h=1 m=3
